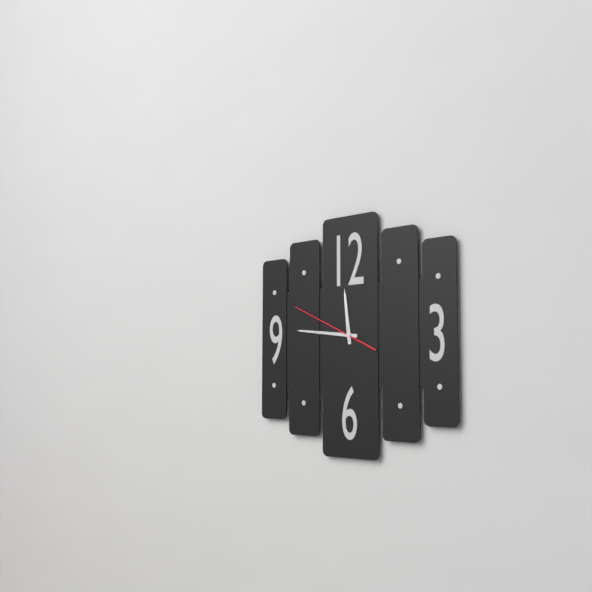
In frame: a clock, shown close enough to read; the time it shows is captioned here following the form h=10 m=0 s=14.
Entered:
h=11 m=46 s=49
